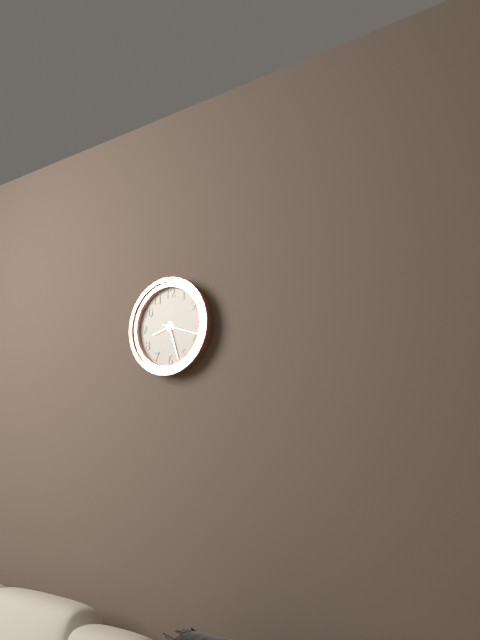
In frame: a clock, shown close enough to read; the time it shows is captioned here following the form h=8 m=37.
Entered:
h=8 m=27
